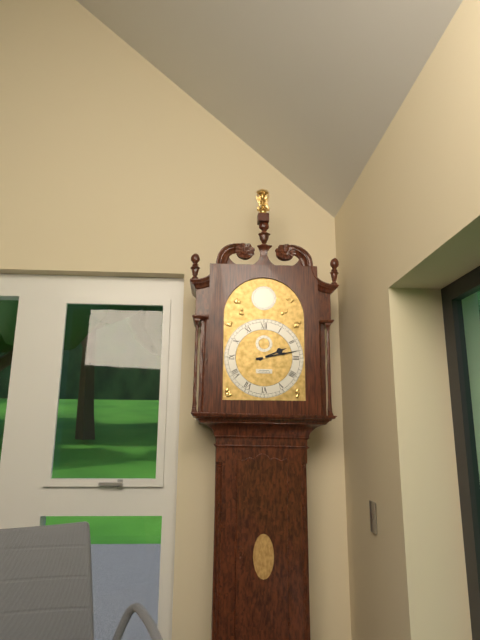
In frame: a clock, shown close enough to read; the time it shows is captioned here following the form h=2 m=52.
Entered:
h=2 m=13
